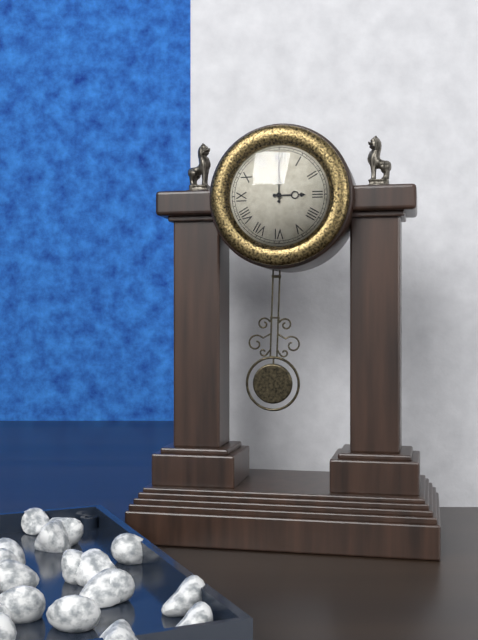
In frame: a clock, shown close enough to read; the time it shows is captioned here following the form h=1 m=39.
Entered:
h=3 m=0
